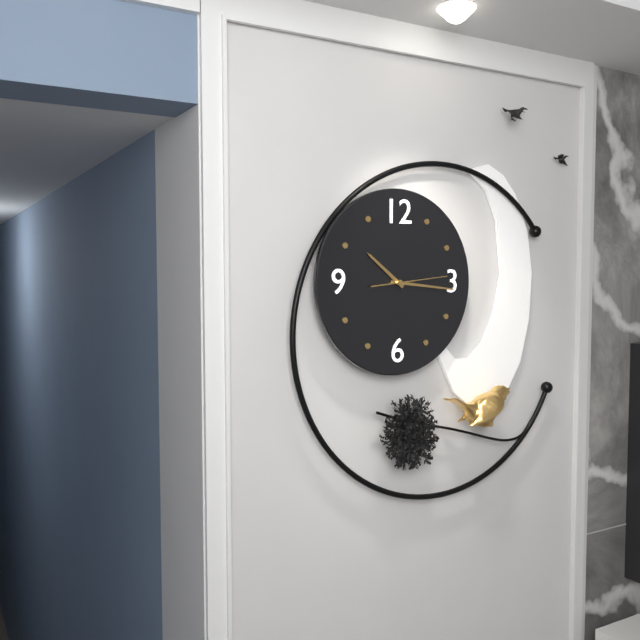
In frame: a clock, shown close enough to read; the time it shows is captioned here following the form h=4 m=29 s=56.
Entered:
h=10 m=16 s=14
